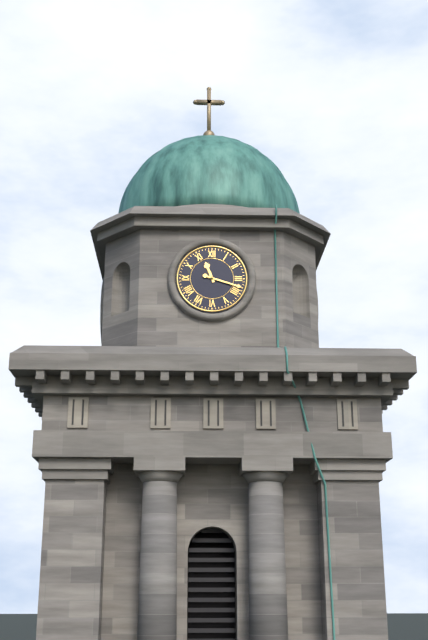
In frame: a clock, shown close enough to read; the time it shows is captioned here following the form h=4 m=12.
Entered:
h=11 m=18
